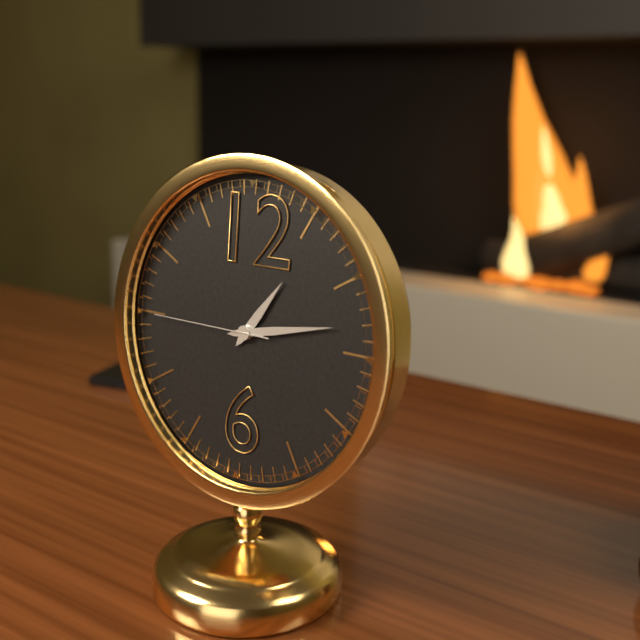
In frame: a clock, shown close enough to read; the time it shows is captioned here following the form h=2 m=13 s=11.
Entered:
h=1 m=13 s=45
